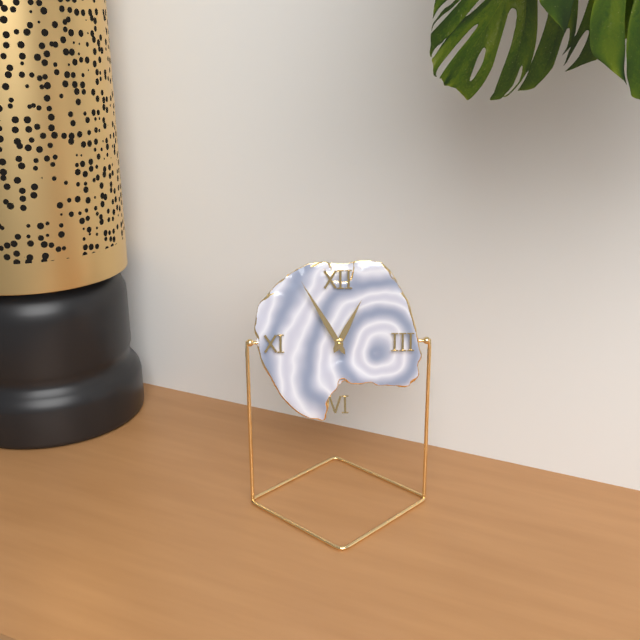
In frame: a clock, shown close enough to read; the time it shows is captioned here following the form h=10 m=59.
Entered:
h=12 m=55
